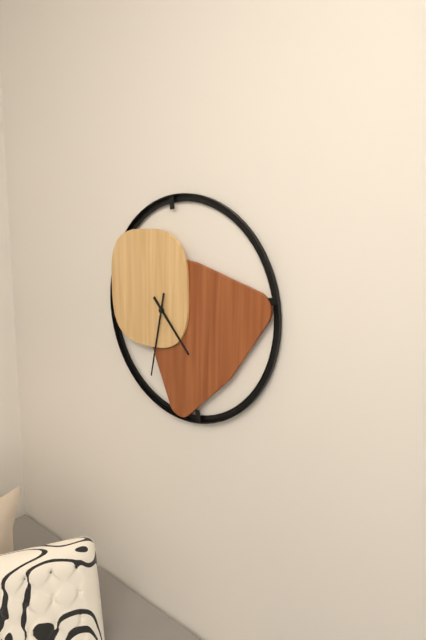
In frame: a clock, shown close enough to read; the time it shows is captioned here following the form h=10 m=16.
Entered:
h=4 m=32
